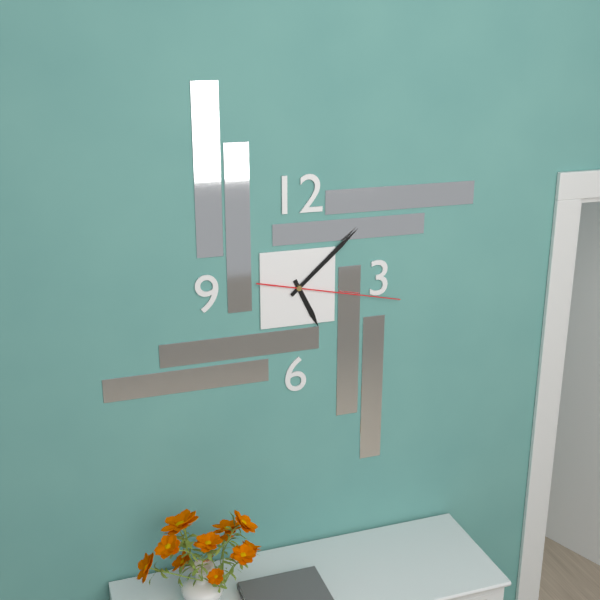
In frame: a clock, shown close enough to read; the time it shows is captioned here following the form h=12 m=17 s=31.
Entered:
h=5 m=8 s=17
